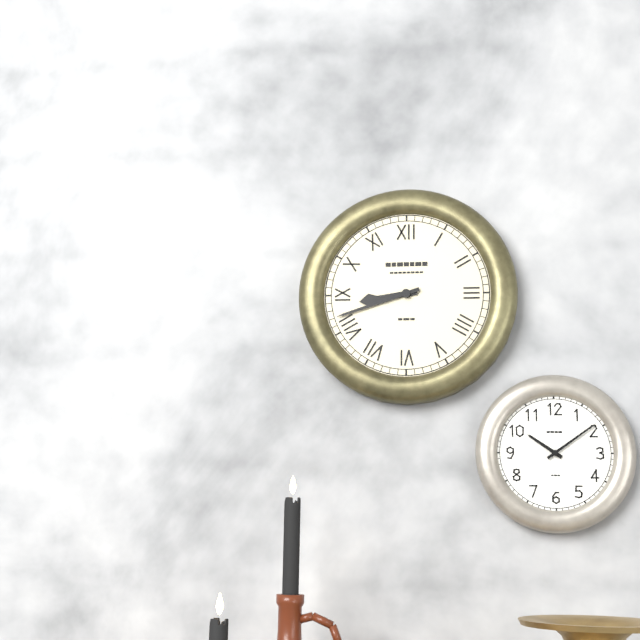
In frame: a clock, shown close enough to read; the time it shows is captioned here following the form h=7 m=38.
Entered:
h=8 m=42
